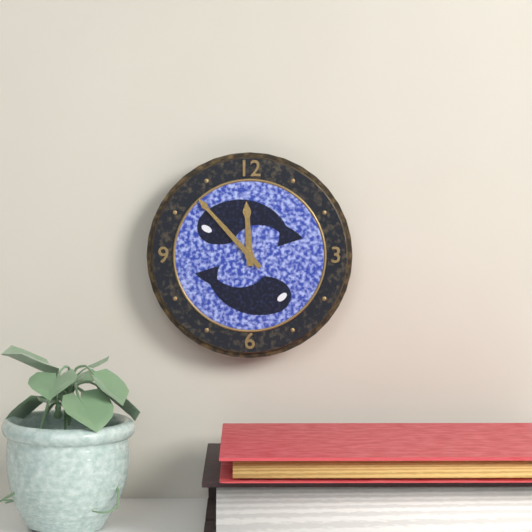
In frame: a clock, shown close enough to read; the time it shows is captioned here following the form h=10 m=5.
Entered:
h=11 m=53
